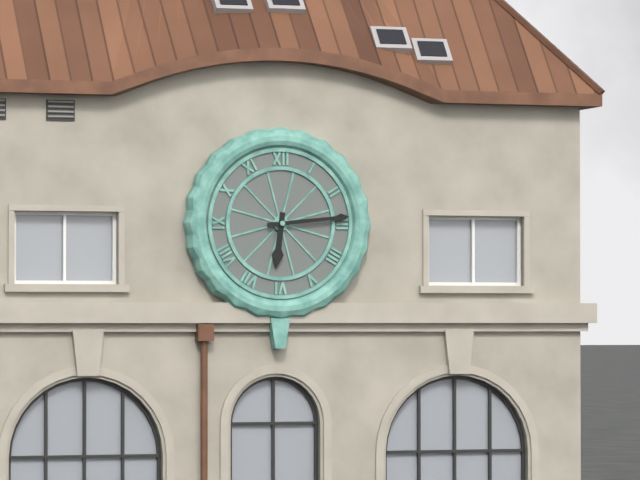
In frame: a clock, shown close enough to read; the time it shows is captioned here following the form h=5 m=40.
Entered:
h=6 m=14
